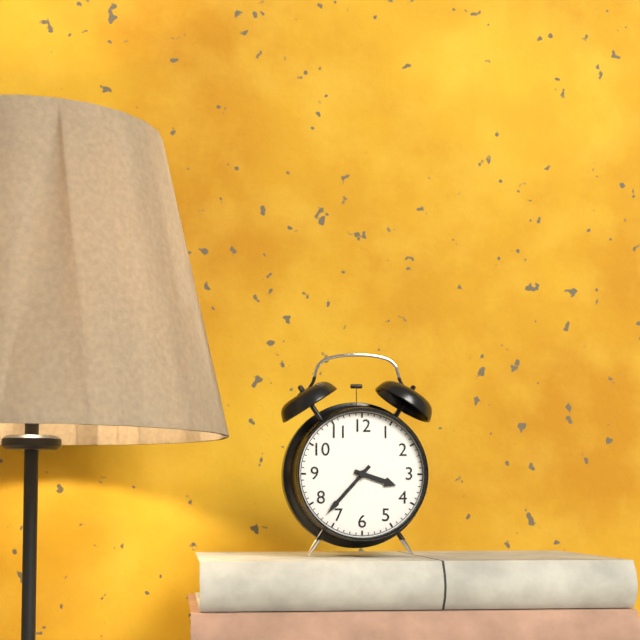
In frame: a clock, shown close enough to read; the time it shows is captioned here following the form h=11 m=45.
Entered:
h=3 m=37
